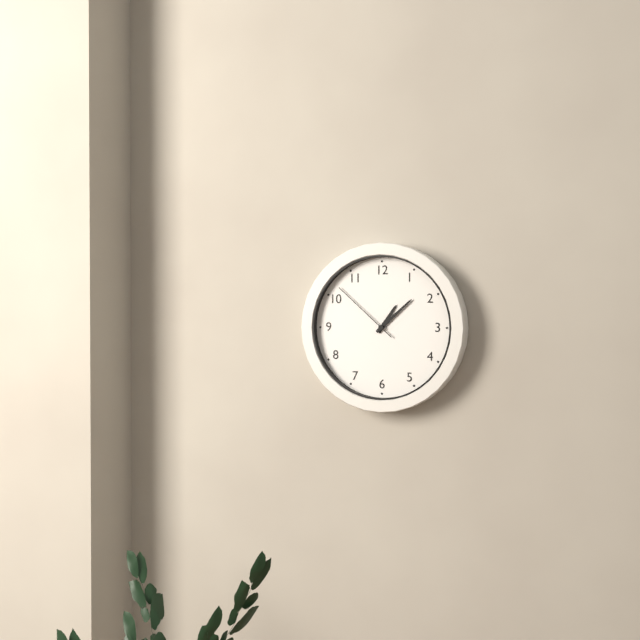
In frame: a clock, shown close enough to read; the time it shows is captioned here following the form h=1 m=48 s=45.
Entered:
h=1 m=8 s=52
